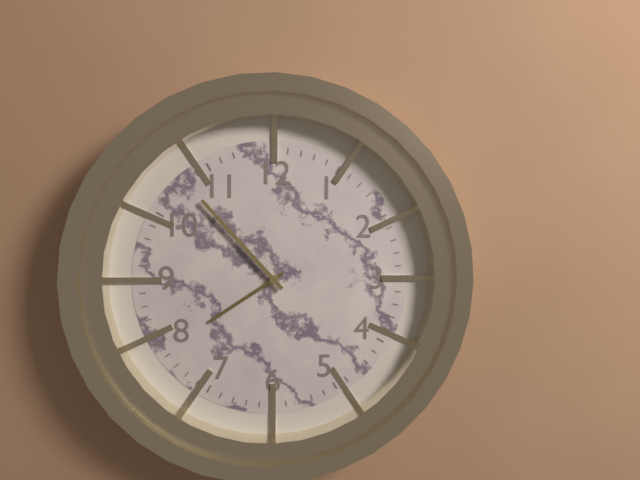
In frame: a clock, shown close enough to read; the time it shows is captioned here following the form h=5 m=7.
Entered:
h=7 m=53
